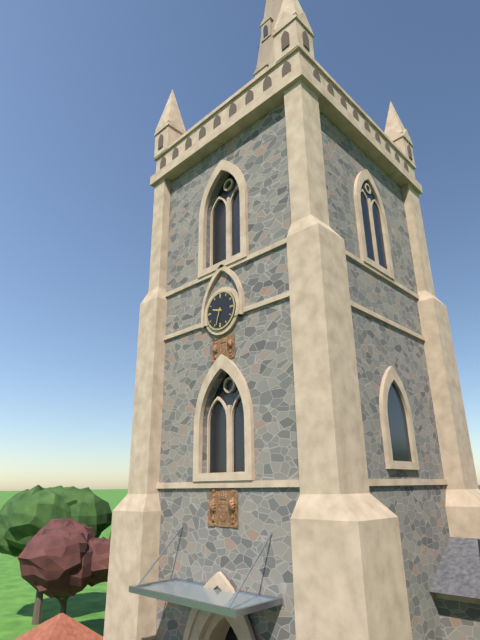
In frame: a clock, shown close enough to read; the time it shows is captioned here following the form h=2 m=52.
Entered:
h=9 m=33
